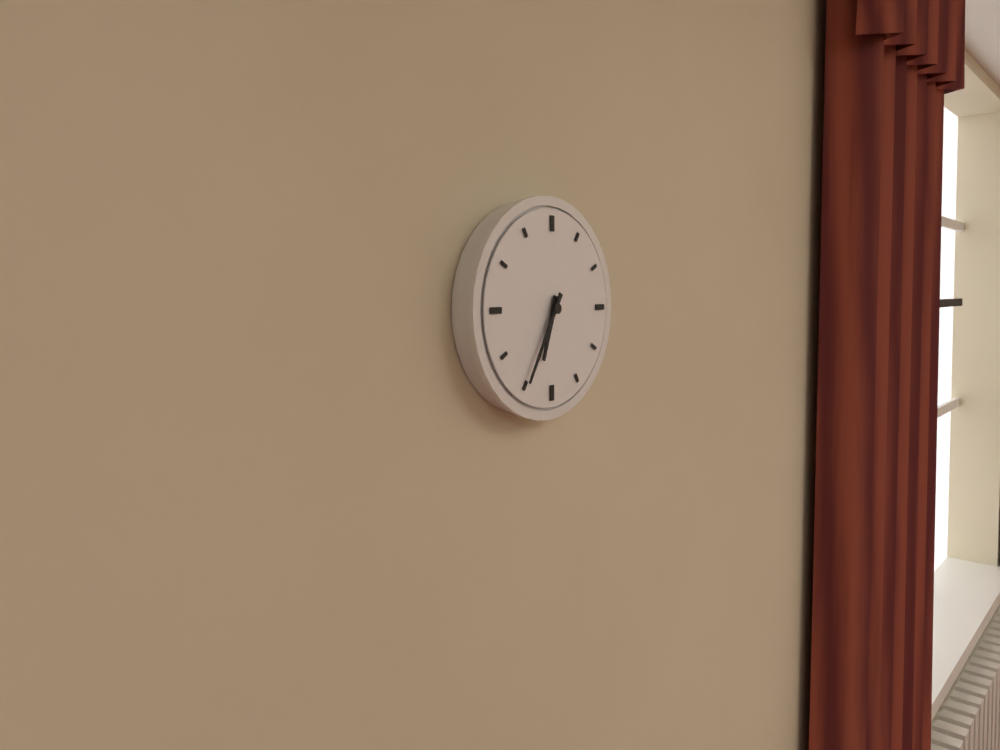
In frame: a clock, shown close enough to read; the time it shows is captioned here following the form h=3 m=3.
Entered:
h=6 m=35
